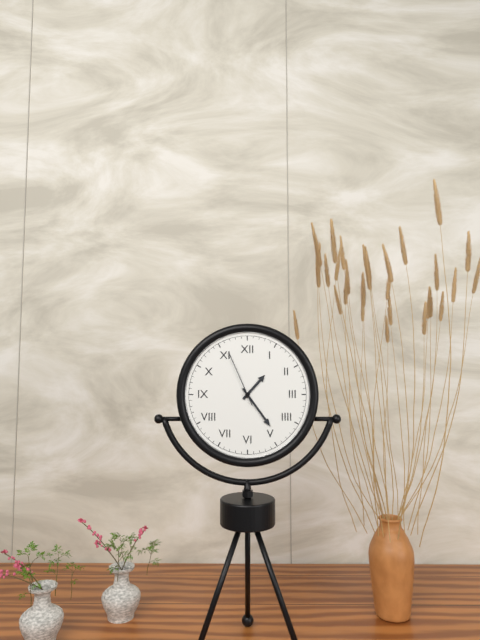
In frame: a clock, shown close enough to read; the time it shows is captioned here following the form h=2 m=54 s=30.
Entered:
h=1 m=24 s=56
